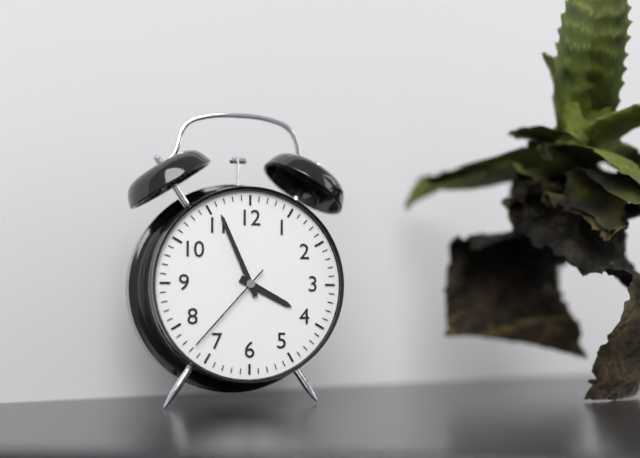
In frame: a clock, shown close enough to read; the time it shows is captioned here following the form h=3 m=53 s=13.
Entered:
h=3 m=56 s=37
